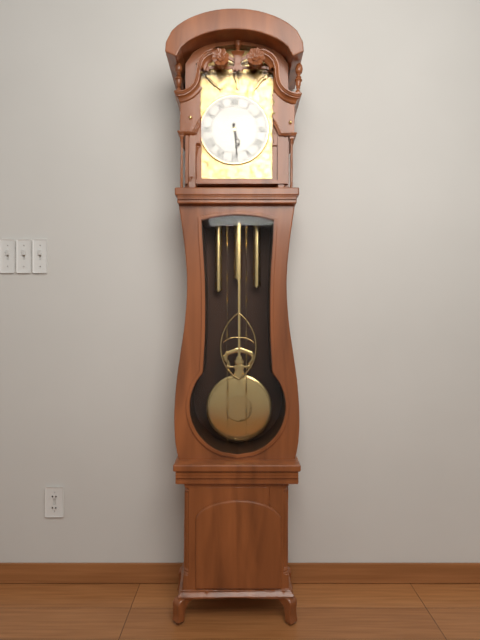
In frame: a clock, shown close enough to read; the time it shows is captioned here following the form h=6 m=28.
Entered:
h=5 m=29
